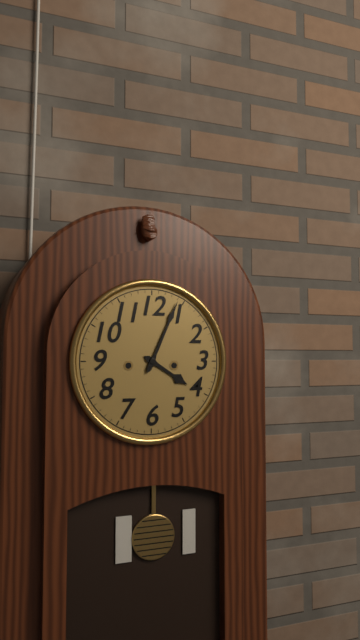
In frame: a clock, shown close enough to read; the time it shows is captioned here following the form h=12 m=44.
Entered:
h=4 m=4
